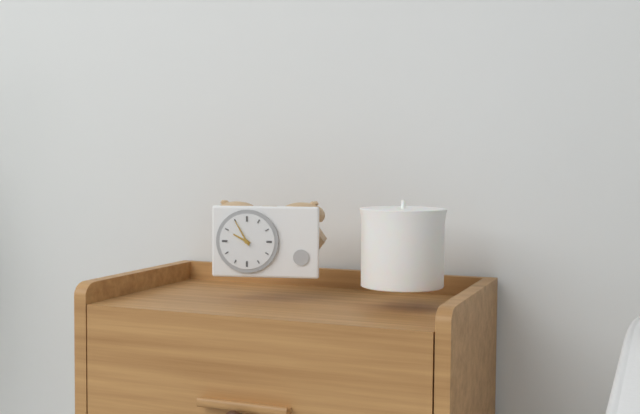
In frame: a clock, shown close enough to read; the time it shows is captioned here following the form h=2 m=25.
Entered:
h=9 m=55
